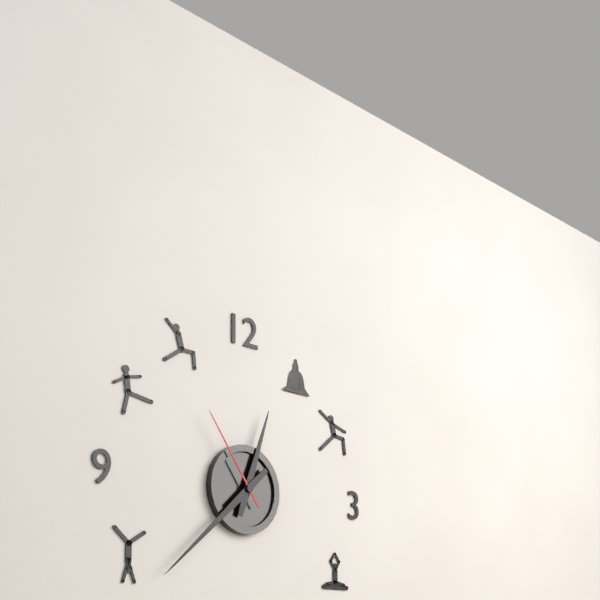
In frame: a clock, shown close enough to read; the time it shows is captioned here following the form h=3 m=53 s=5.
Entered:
h=12 m=38 s=54
